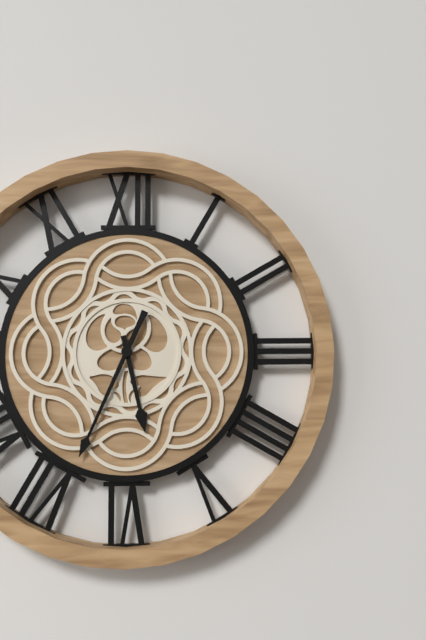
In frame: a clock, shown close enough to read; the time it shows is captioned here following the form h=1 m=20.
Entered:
h=5 m=34
